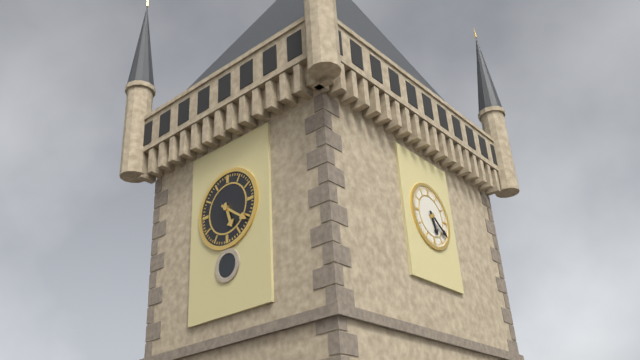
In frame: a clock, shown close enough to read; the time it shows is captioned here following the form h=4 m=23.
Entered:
h=5 m=21
